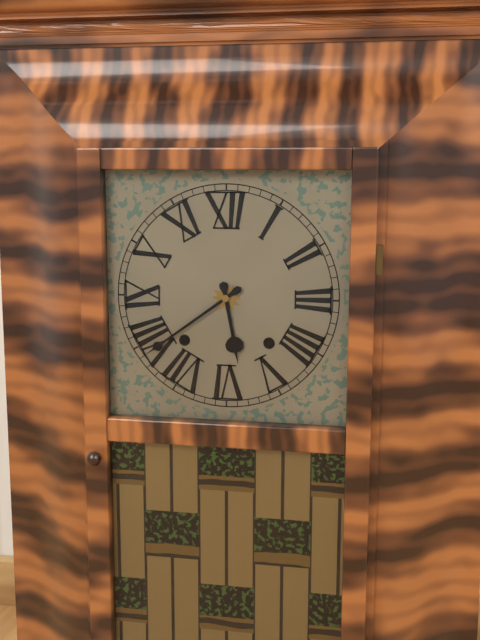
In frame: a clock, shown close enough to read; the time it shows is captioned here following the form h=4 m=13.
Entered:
h=5 m=39
